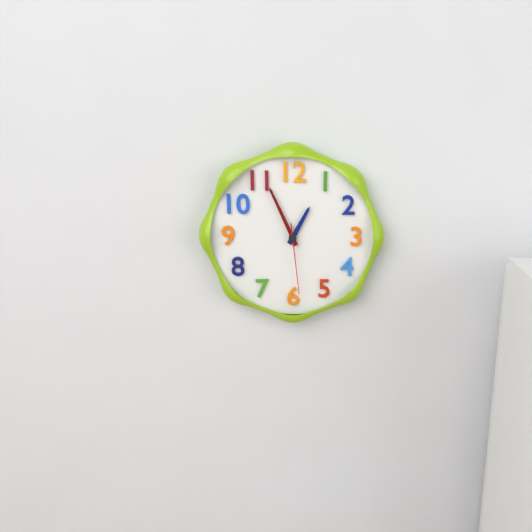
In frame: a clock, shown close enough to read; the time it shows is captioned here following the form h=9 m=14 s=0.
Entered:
h=12 m=56 s=29
